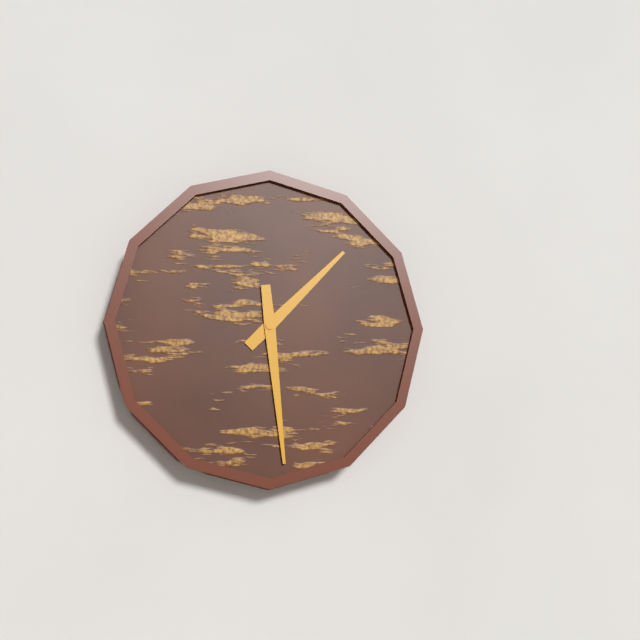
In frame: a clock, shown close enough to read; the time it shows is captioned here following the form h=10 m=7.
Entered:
h=1 m=29
